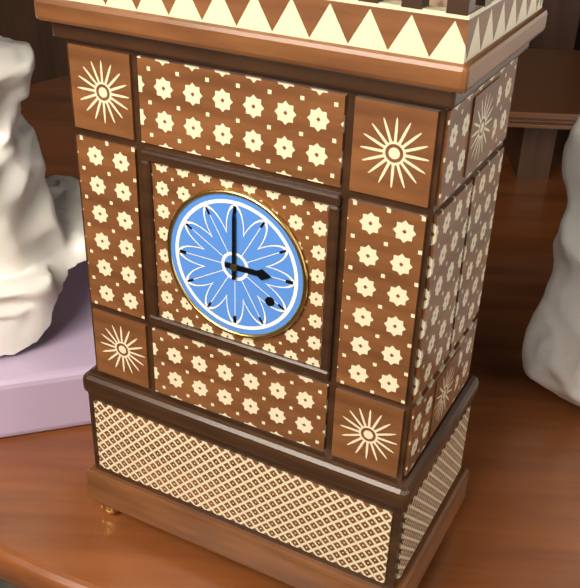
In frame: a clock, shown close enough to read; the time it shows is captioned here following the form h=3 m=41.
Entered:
h=3 m=0
